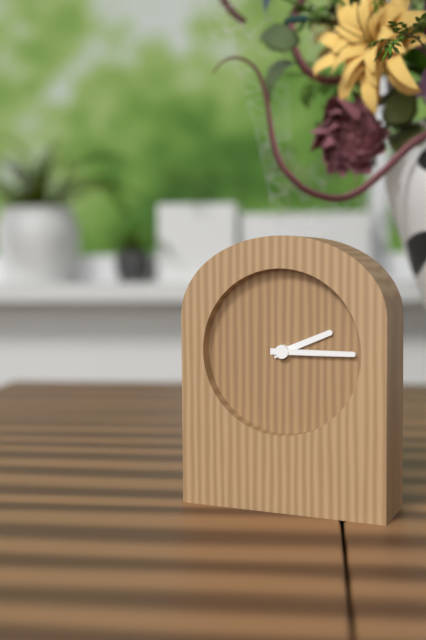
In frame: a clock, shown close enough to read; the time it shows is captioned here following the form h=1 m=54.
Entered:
h=2 m=15
